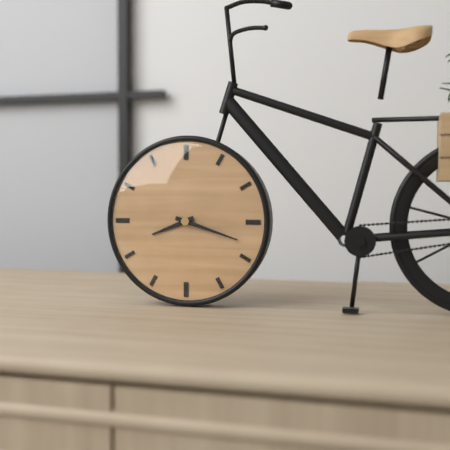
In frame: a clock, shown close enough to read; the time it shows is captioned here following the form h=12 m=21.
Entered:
h=8 m=18
